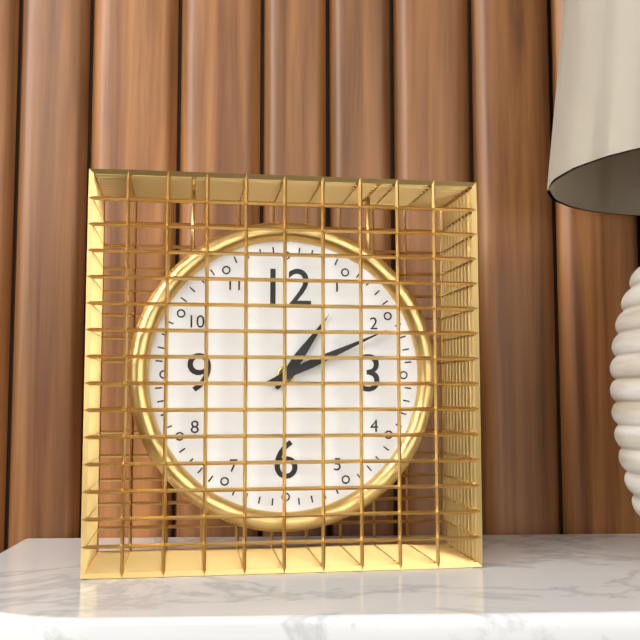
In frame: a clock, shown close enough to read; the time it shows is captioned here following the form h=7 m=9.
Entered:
h=1 m=11
